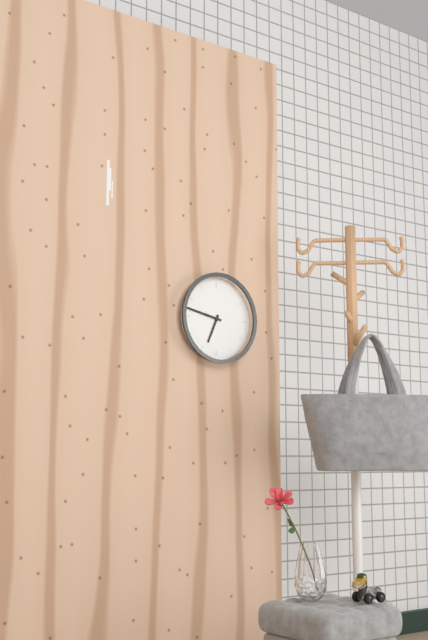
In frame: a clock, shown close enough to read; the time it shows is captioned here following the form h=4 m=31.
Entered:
h=6 m=47
